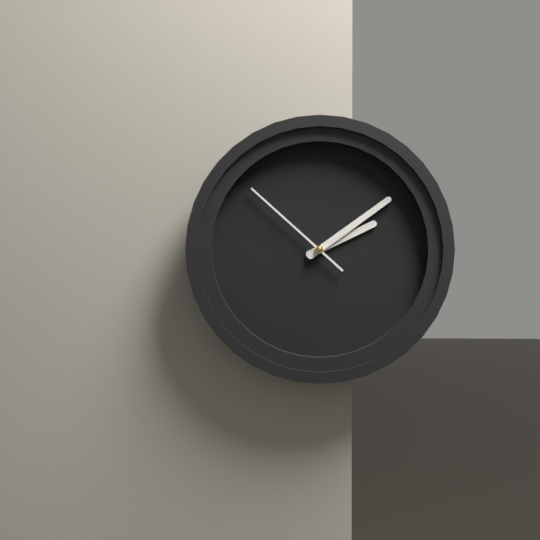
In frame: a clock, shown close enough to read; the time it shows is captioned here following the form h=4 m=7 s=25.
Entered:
h=2 m=9 s=52
